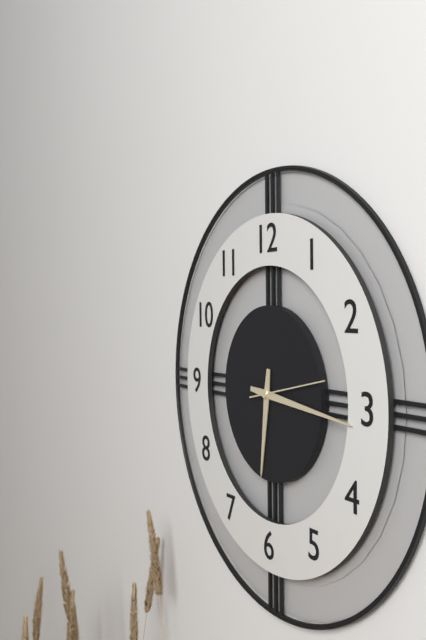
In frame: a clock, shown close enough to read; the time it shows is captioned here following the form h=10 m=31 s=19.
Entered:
h=6 m=16 s=13
